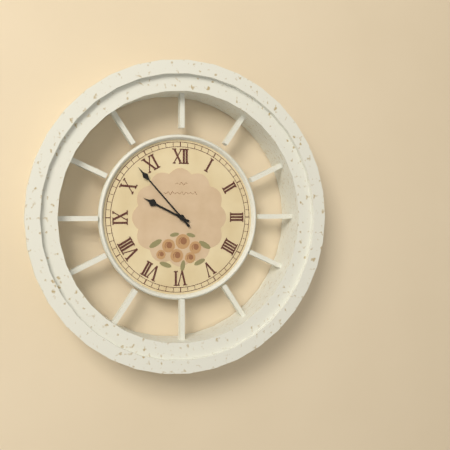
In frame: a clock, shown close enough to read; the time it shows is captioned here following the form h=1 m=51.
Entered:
h=9 m=53
